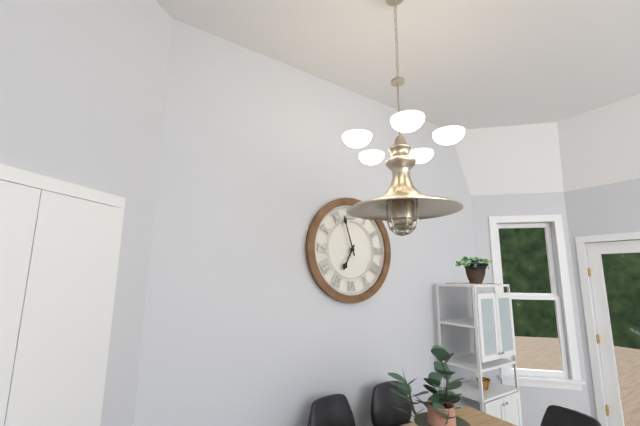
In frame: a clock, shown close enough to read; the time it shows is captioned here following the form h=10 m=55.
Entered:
h=6 m=57
